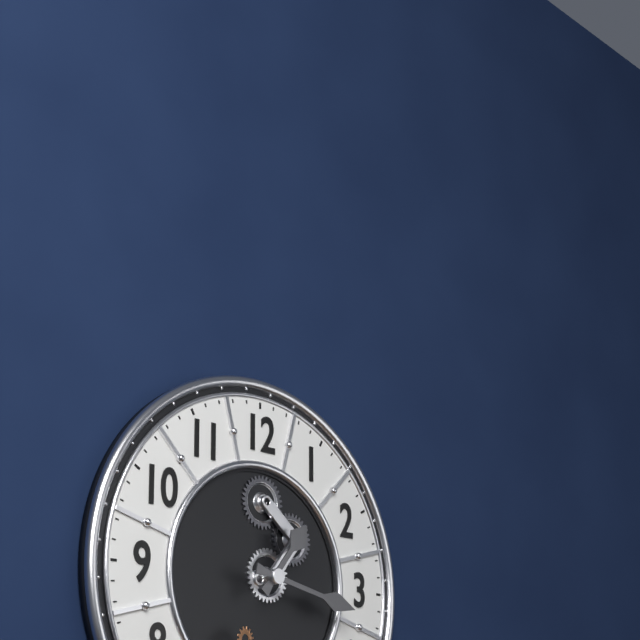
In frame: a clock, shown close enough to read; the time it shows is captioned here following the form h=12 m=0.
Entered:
h=1 m=17
